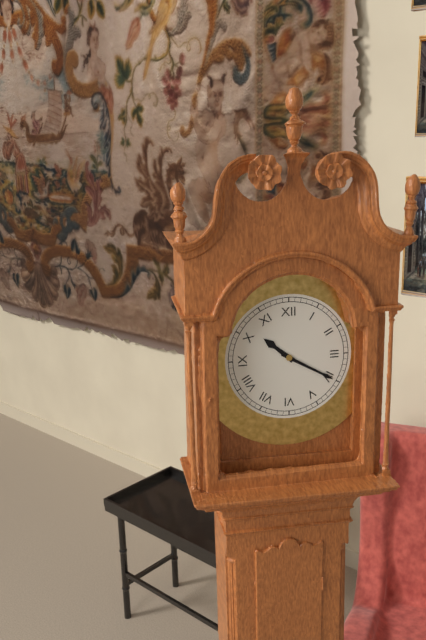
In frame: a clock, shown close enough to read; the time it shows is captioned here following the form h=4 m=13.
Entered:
h=10 m=20
